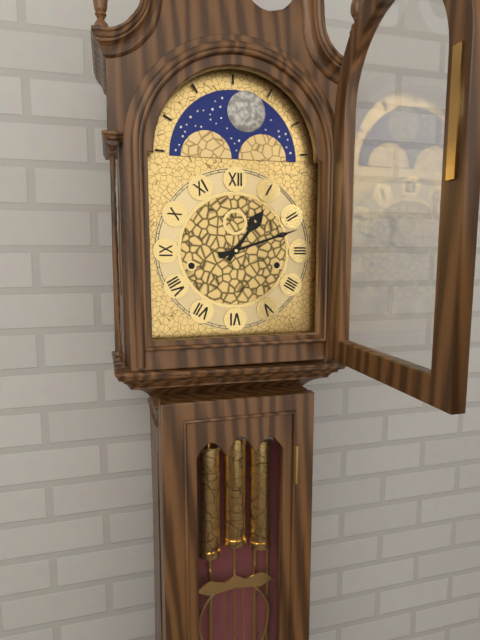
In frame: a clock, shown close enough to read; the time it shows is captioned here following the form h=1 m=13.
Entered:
h=1 m=12
